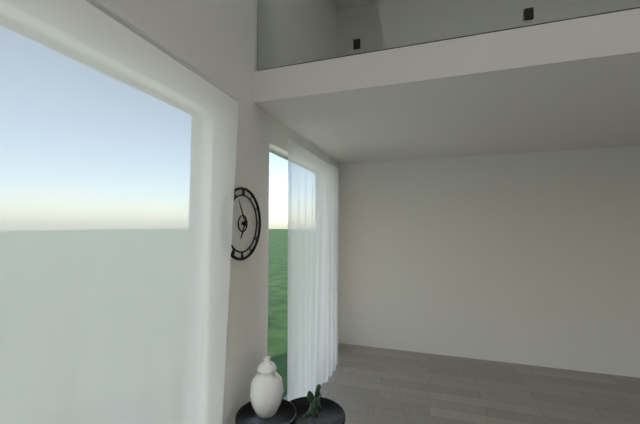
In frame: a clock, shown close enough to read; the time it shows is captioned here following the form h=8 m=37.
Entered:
h=6 m=55
